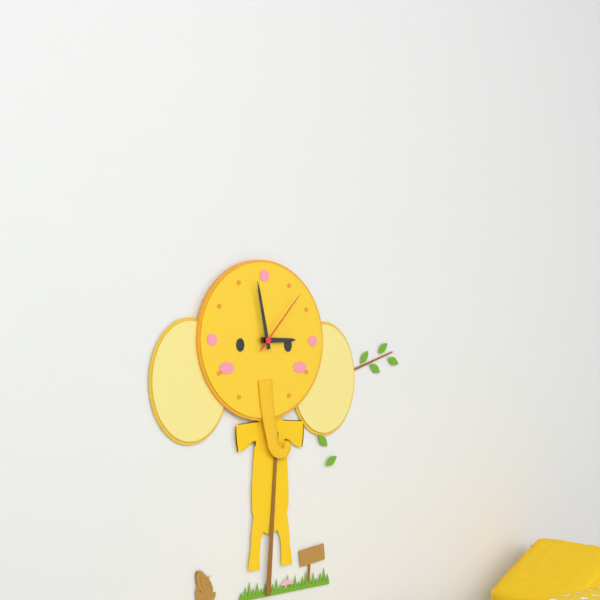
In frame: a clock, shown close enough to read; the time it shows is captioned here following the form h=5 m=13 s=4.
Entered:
h=2 m=58 s=7
